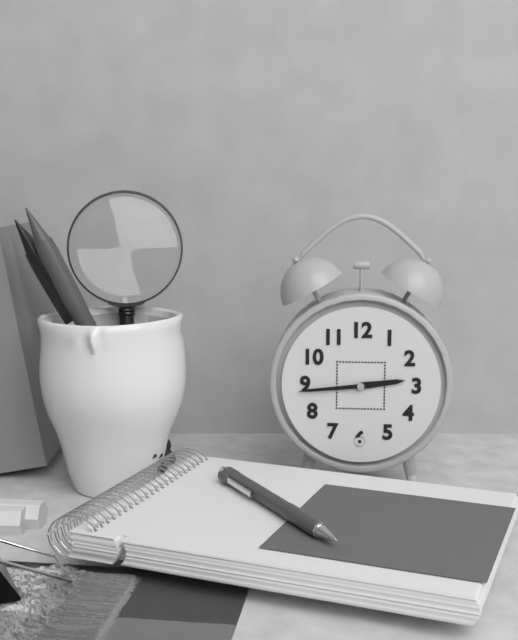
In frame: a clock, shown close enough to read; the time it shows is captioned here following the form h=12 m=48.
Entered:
h=2 m=44
